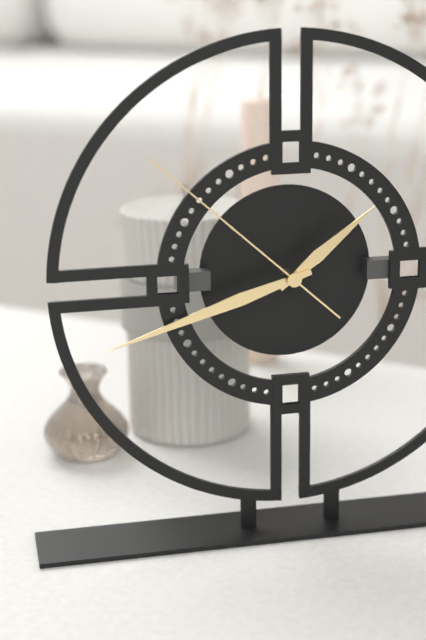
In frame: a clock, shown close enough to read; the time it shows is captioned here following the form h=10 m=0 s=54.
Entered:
h=1 m=42 s=52
